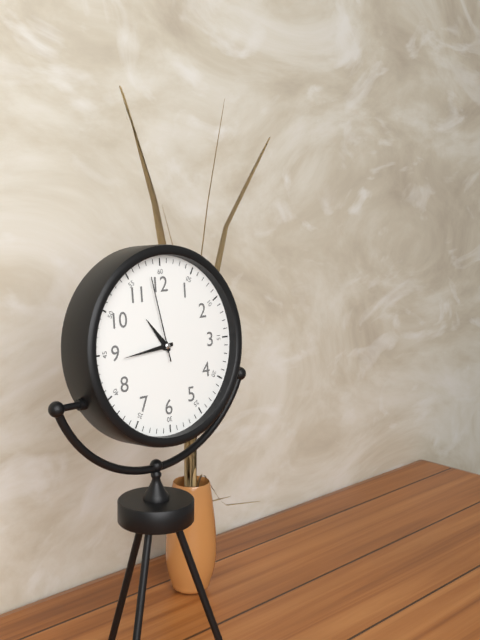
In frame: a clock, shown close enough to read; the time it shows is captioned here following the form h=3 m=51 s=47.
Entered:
h=10 m=44 s=58
